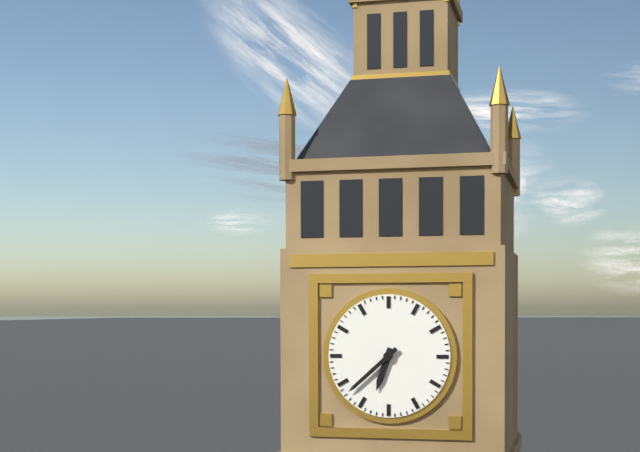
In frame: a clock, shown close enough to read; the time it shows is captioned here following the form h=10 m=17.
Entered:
h=6 m=38
